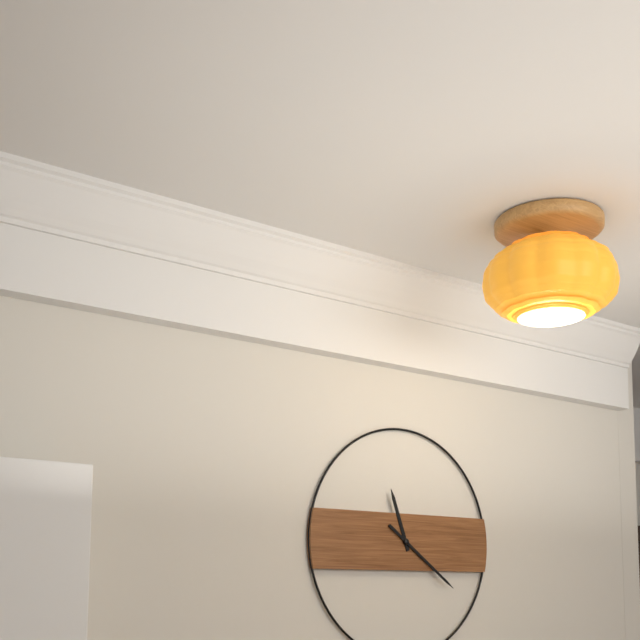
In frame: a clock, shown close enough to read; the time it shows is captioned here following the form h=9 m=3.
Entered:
h=11 m=21
